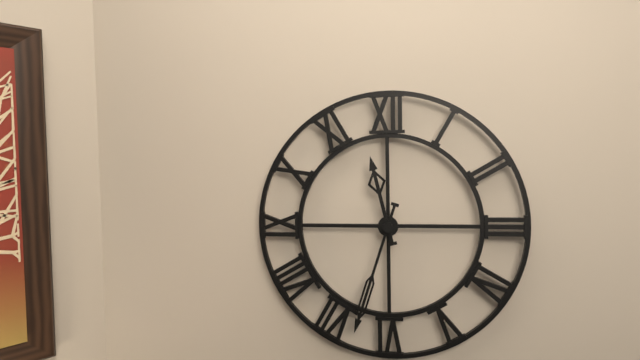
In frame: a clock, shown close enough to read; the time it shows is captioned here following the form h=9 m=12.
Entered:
h=11 m=33
